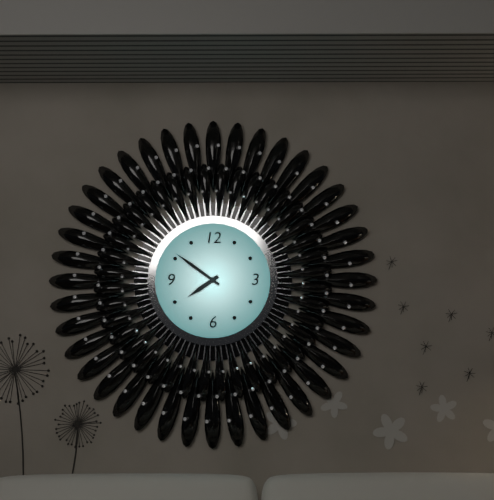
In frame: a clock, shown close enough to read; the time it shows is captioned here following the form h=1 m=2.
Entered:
h=7 m=51
